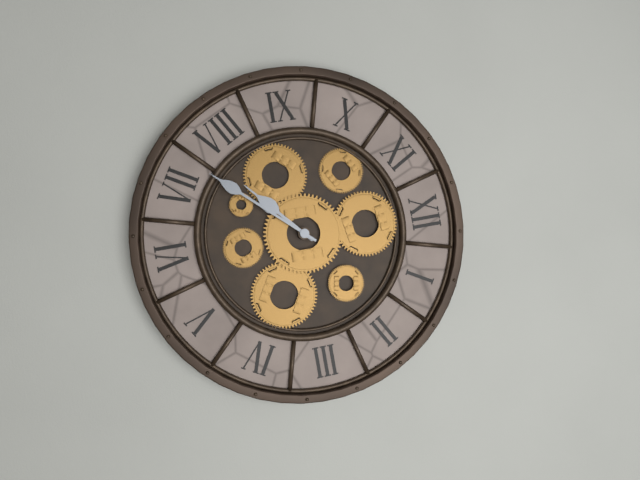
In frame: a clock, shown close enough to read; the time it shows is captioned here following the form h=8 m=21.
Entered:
h=7 m=37
